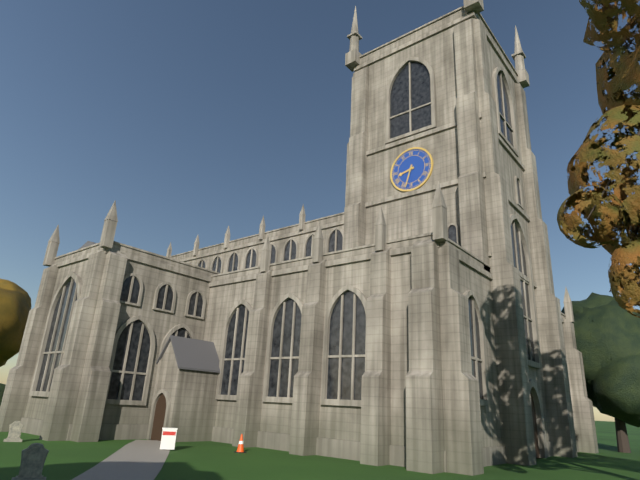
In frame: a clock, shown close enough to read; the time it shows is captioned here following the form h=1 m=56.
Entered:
h=8 m=33
